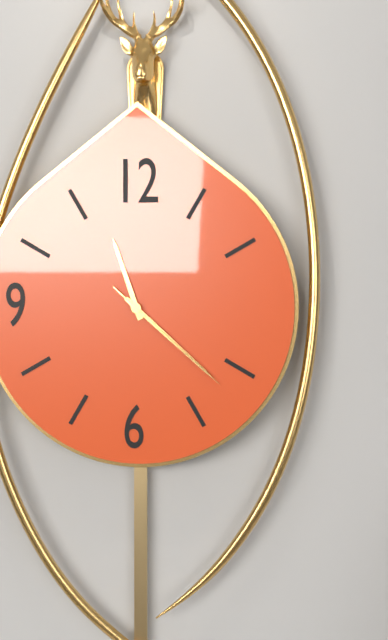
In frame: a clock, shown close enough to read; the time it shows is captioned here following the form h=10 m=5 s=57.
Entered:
h=11 m=22 s=22
